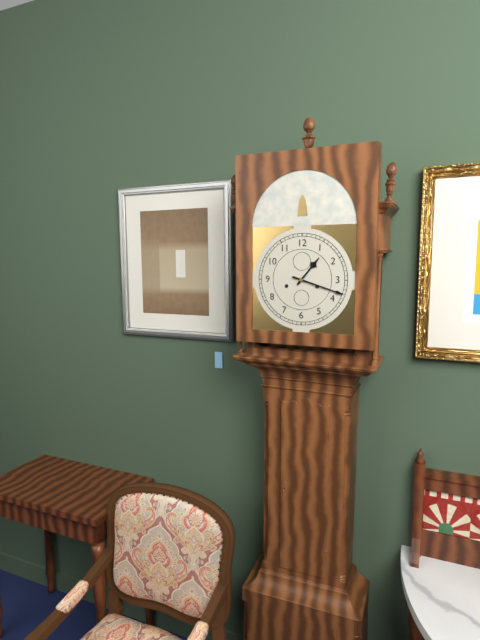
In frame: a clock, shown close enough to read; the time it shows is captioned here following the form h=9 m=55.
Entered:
h=1 m=18
